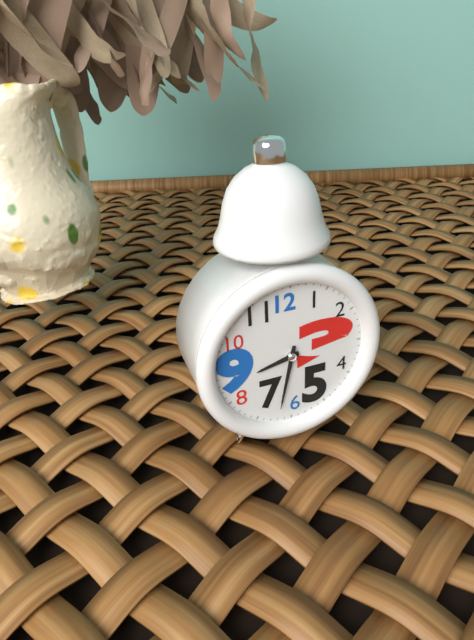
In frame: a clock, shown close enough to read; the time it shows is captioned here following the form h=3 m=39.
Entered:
h=8 m=32
